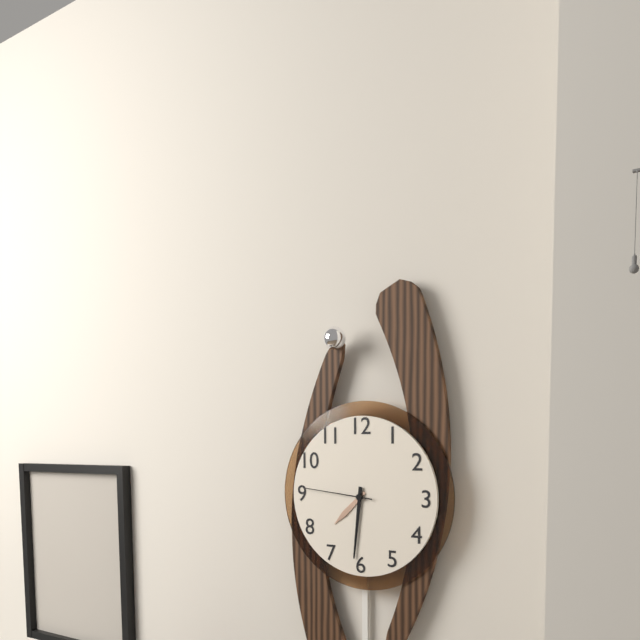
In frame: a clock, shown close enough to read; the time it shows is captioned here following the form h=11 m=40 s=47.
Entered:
h=7 m=31 s=46
